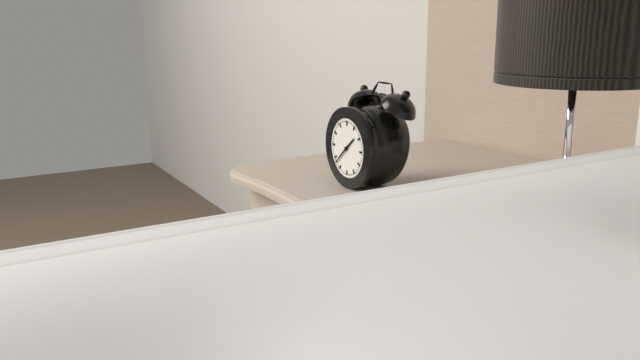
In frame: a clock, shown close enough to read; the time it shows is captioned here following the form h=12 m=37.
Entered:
h=1 m=38
